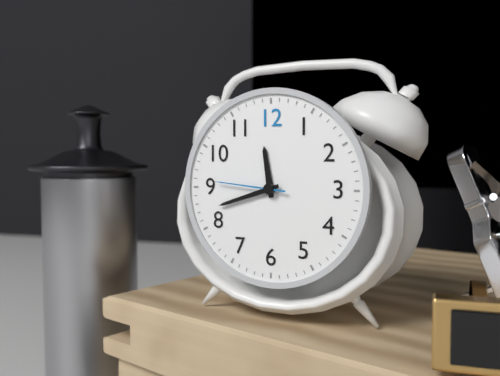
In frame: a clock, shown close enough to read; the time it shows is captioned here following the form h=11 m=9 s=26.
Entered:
h=11 m=42 s=46
